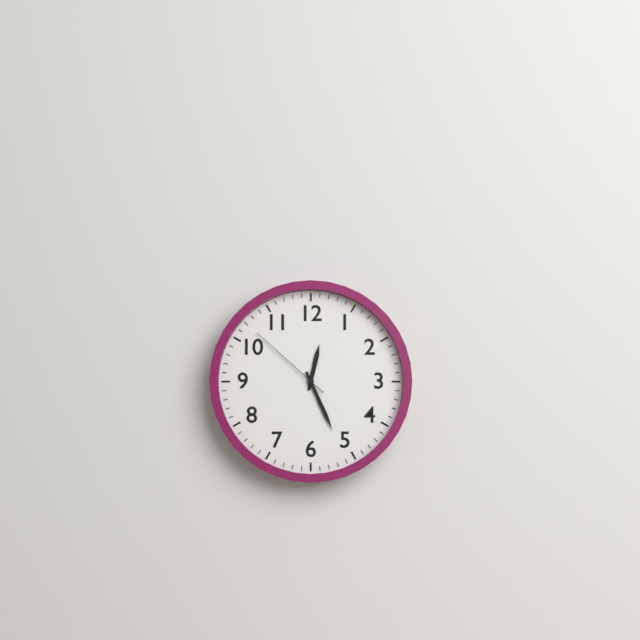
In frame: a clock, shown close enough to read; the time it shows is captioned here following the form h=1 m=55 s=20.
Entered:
h=12 m=26 s=52
